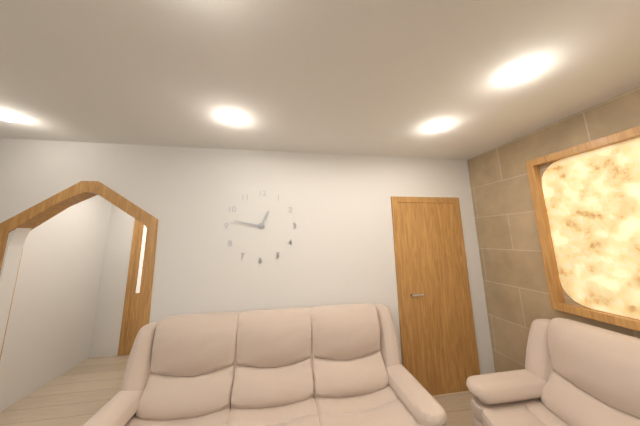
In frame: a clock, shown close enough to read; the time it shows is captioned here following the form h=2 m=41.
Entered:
h=12 m=47
